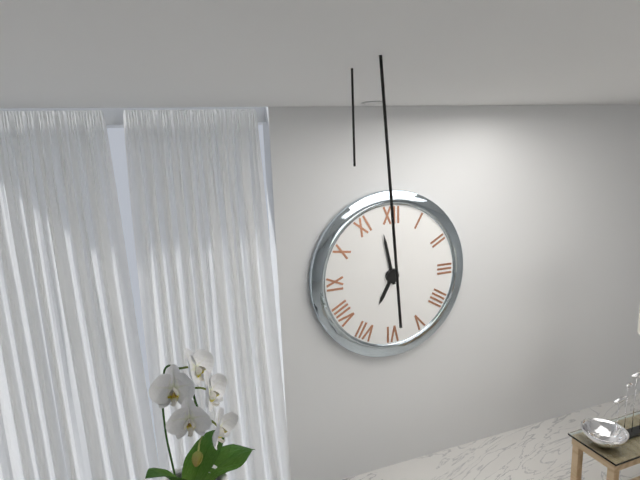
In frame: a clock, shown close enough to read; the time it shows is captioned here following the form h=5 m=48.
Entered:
h=6 m=58
